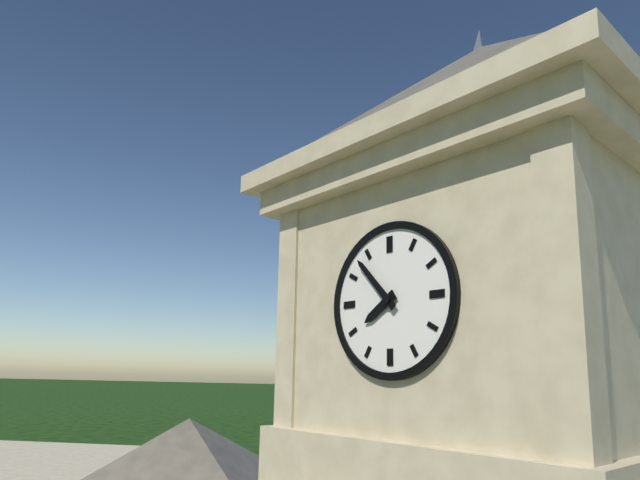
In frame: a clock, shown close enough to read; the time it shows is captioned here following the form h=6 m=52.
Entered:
h=7 m=53
